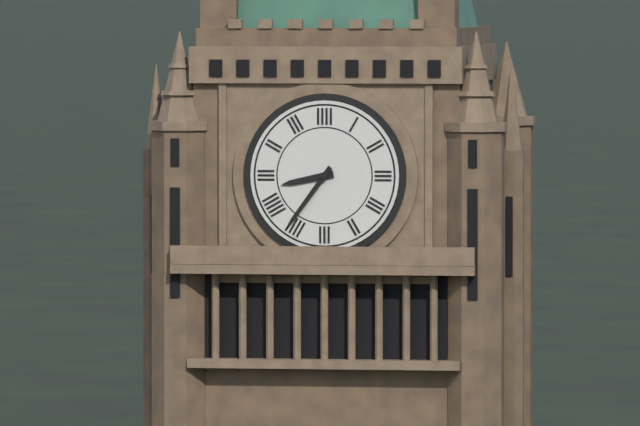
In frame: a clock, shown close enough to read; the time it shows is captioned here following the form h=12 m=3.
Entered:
h=8 m=36
